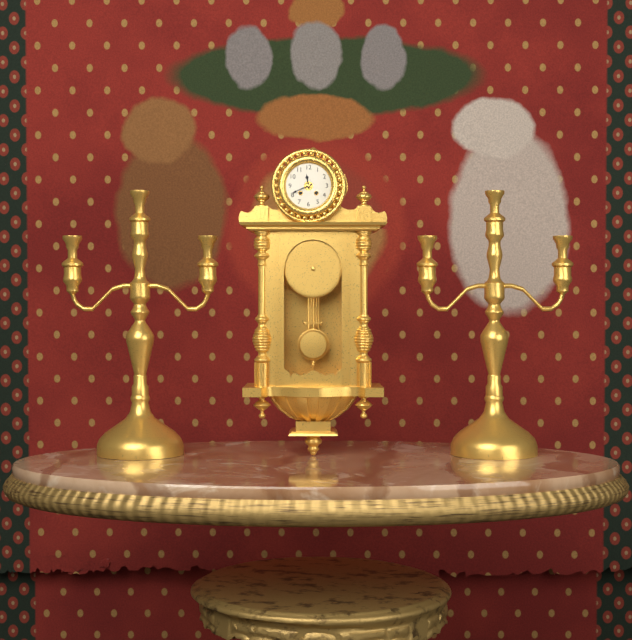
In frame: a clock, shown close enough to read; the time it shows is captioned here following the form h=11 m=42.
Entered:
h=11 m=41
